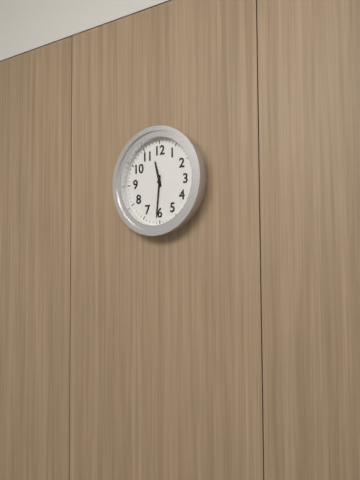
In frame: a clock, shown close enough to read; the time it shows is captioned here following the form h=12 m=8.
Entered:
h=11 m=31
